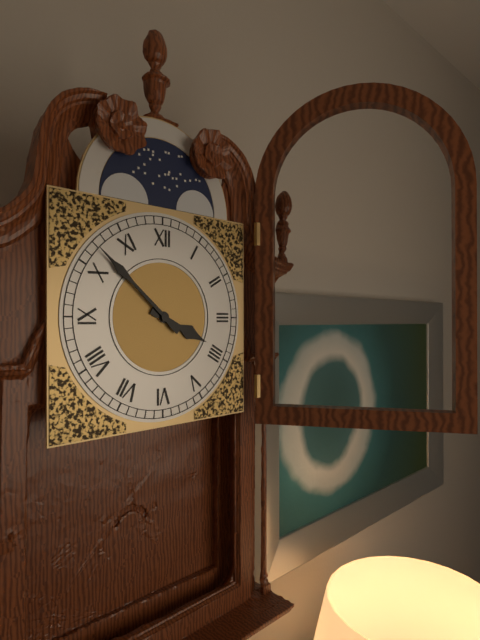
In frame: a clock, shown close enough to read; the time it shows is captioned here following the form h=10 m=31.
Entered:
h=3 m=52
